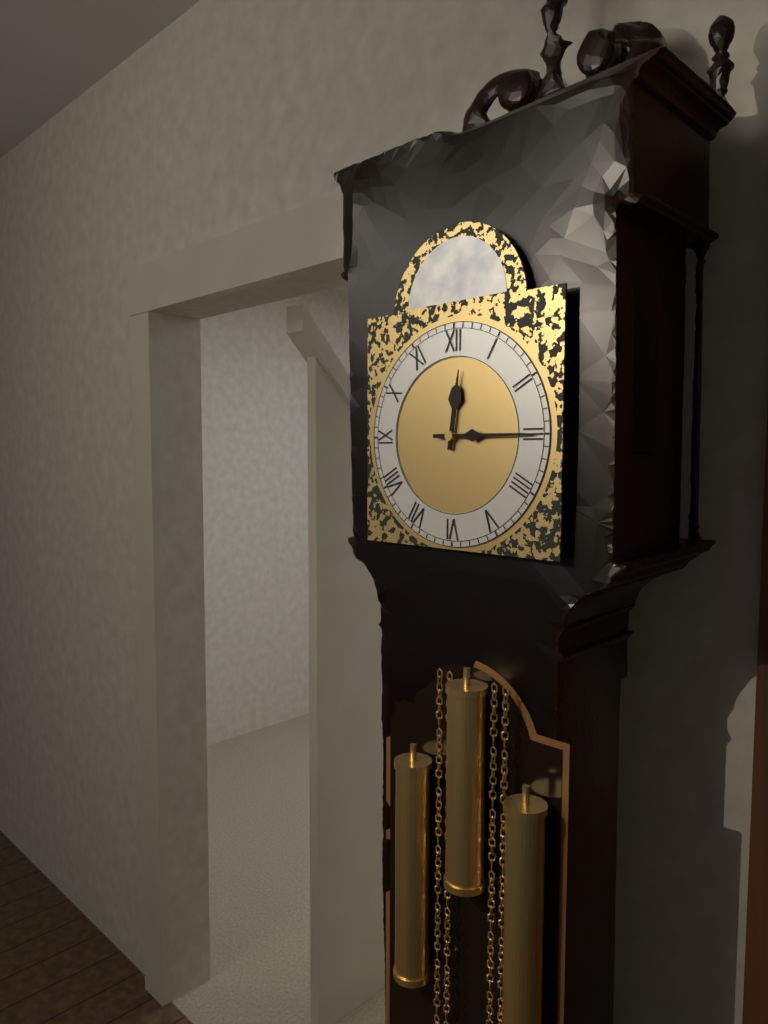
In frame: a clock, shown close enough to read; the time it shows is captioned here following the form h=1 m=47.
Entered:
h=12 m=15
